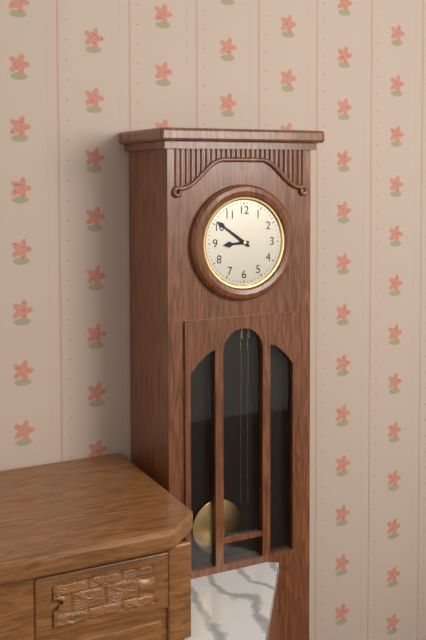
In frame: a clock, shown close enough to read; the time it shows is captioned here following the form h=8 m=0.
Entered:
h=8 m=51
